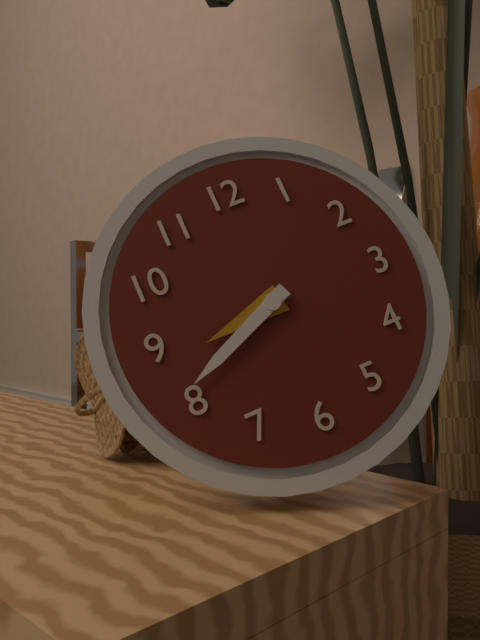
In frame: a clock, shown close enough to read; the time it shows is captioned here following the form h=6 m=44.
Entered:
h=8 m=41
